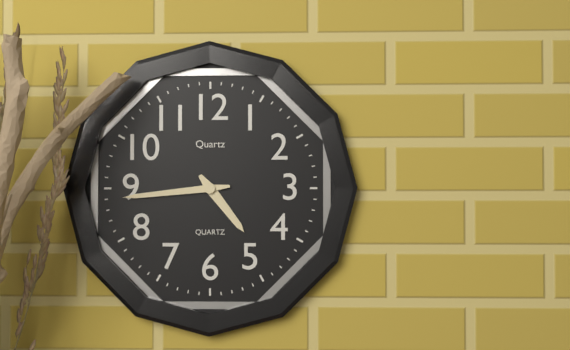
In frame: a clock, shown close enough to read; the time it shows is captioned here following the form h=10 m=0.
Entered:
h=4 m=44
